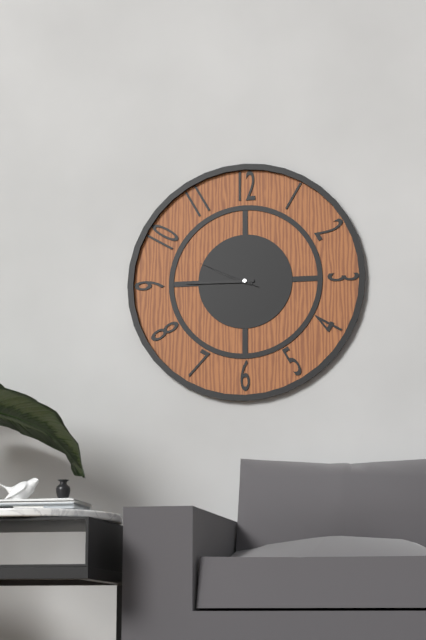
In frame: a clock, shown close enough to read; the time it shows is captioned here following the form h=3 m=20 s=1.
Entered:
h=9 m=45 s=49
